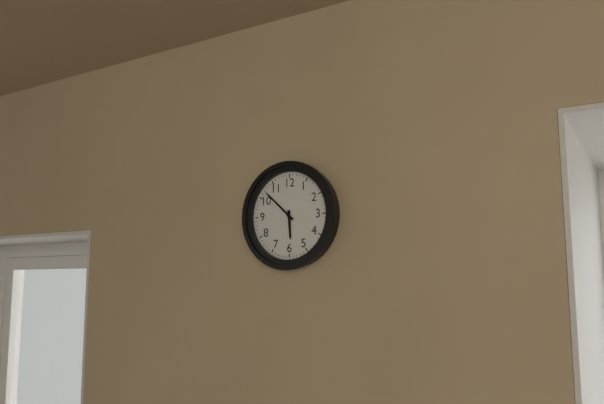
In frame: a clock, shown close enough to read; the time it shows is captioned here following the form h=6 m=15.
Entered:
h=5 m=52
